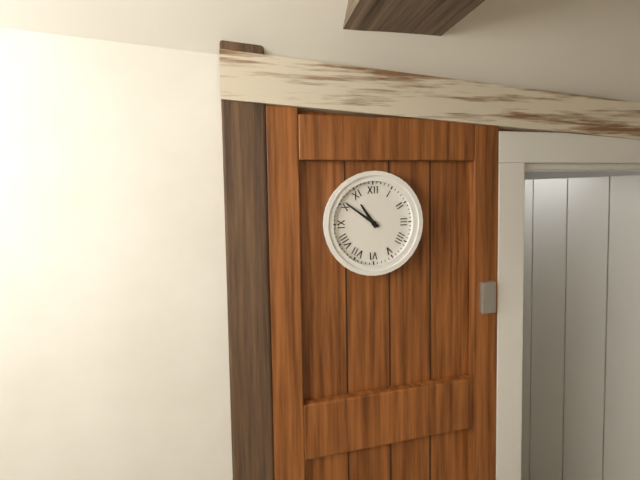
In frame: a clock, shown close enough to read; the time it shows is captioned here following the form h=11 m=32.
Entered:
h=10 m=51
